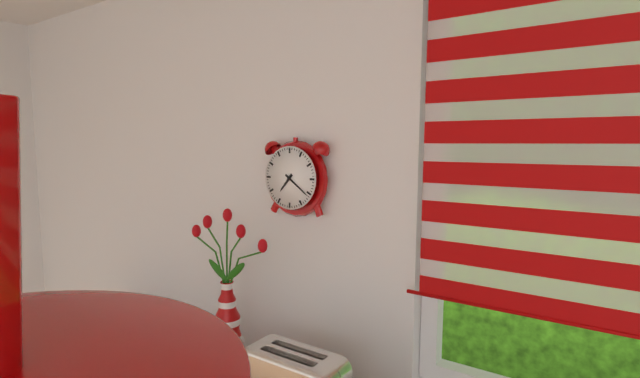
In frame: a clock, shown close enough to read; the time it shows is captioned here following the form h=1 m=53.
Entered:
h=7 m=21
